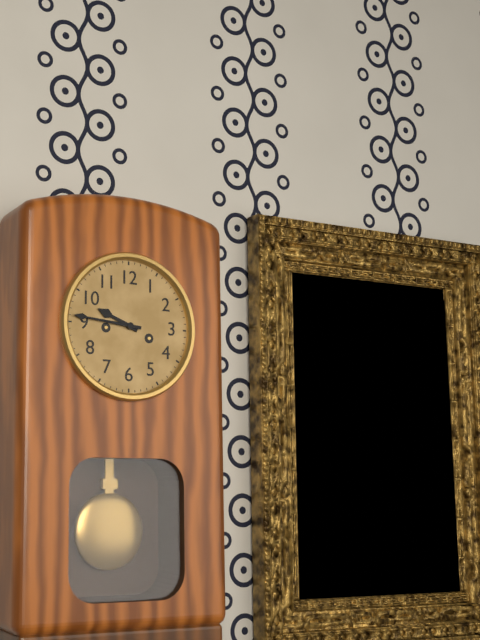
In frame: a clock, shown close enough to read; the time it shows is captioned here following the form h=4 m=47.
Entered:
h=9 m=46
